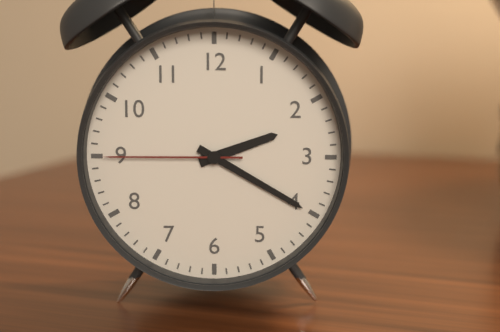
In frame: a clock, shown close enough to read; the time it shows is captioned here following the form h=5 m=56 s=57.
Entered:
h=2 m=20 s=45
